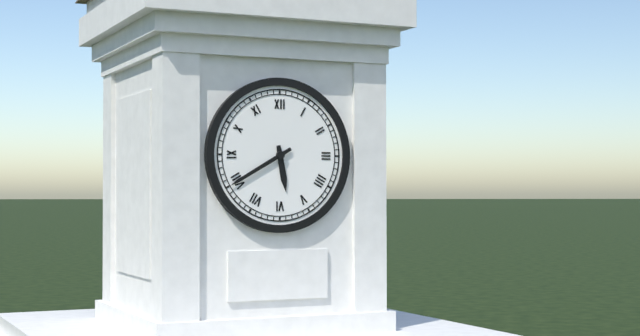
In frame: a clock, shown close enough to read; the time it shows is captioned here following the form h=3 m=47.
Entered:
h=5 m=40
